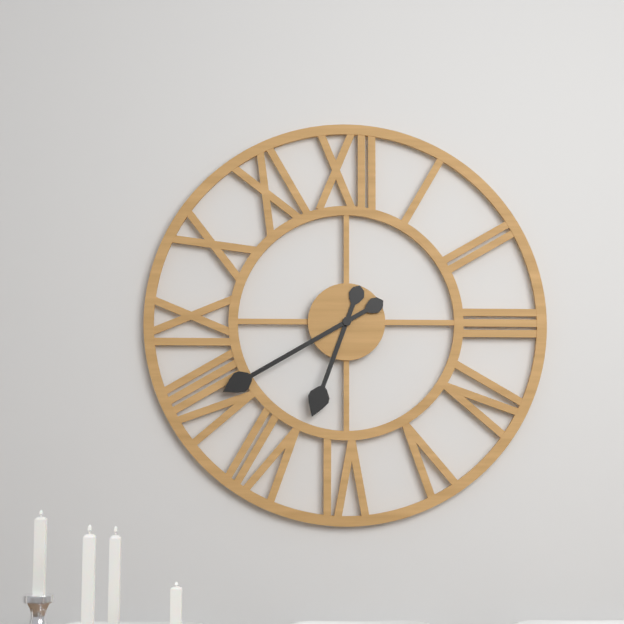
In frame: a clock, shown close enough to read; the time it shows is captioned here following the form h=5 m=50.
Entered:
h=6 m=40
